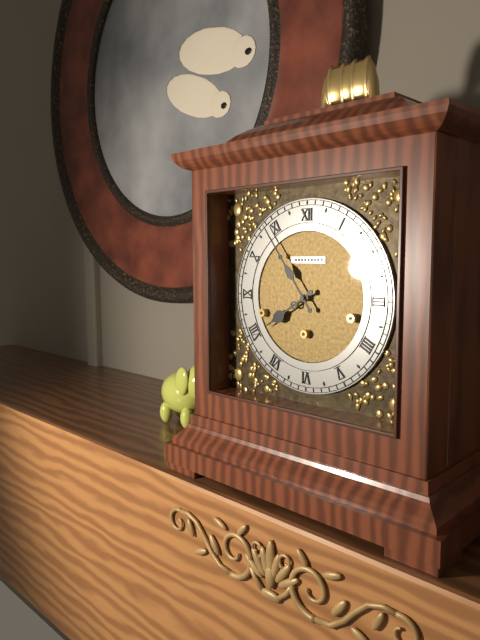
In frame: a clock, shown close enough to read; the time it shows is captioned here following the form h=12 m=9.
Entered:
h=7 m=54
